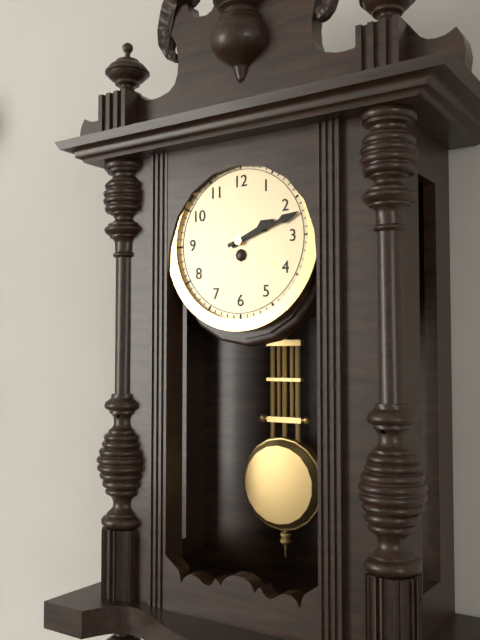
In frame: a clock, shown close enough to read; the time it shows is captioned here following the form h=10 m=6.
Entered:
h=2 m=12
